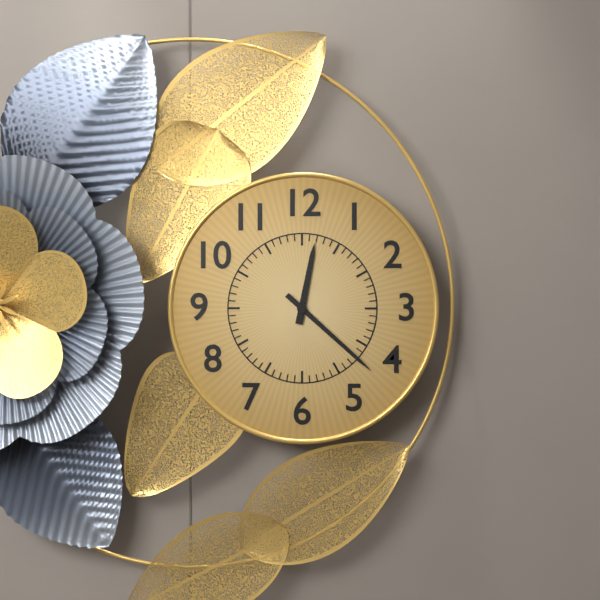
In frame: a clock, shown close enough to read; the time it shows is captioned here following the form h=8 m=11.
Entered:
h=12 m=22
